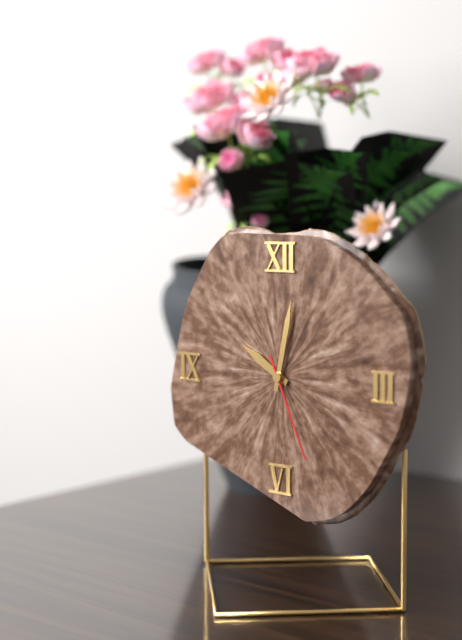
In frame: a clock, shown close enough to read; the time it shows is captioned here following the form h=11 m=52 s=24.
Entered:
h=10 m=2 s=26
